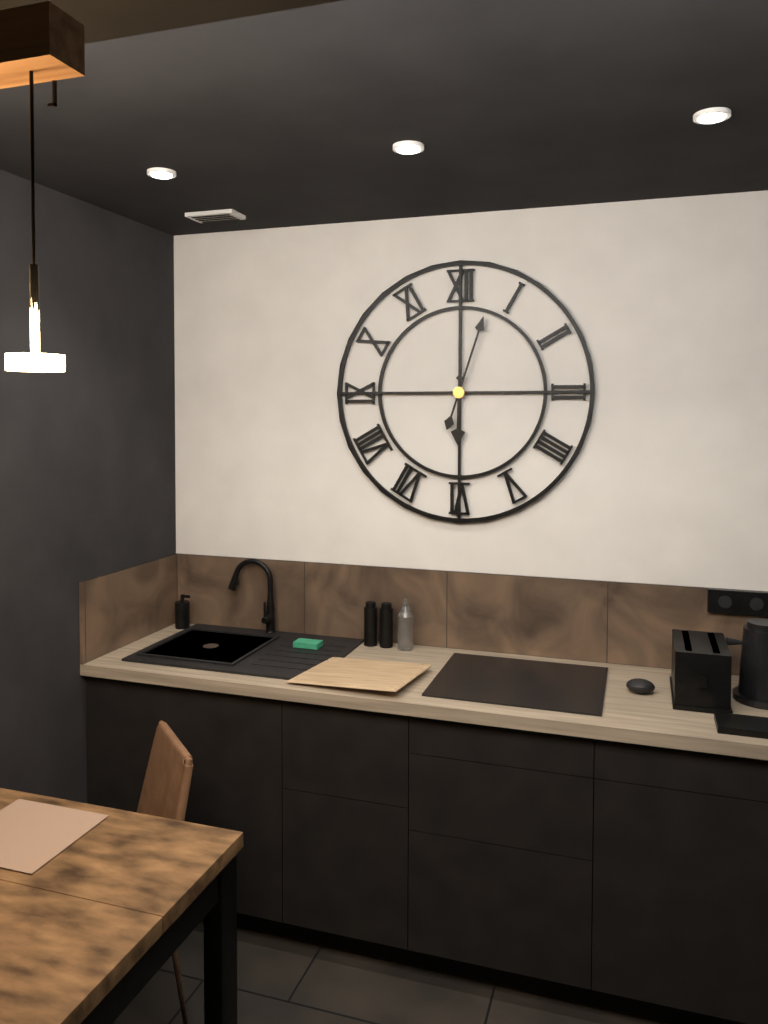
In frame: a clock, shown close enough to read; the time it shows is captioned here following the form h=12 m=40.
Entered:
h=6 m=3
